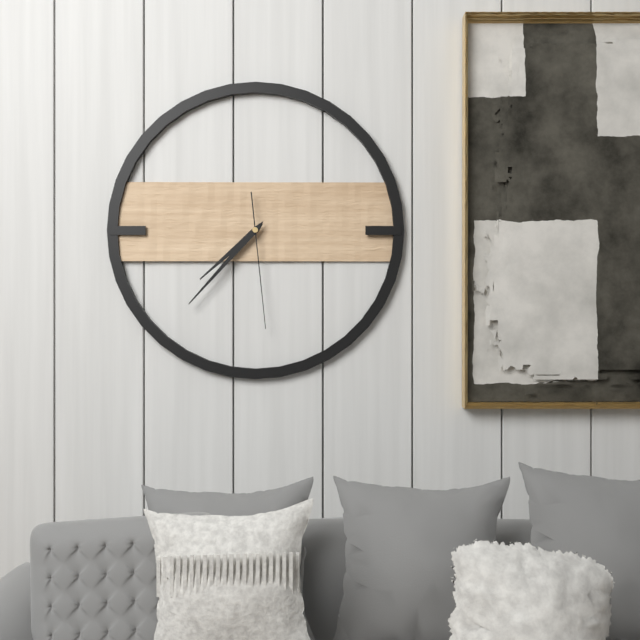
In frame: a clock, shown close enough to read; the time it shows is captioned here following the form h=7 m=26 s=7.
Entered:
h=7 m=37 s=29
